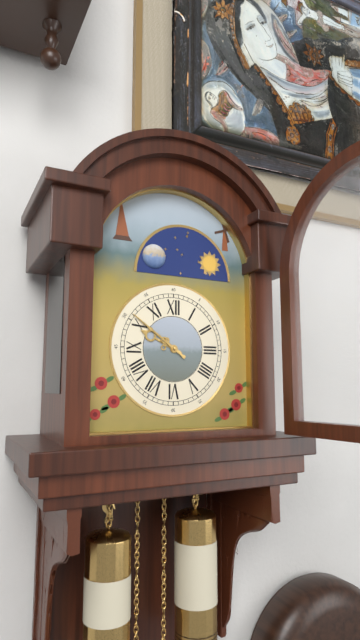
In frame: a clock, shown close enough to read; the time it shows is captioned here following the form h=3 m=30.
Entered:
h=9 m=51
